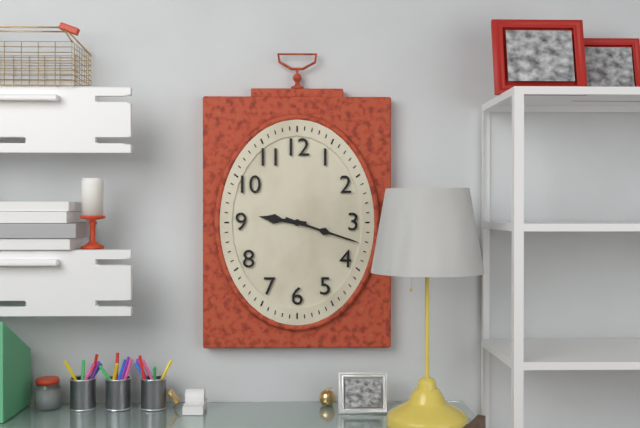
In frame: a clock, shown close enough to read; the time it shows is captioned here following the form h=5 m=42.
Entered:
h=9 m=18
